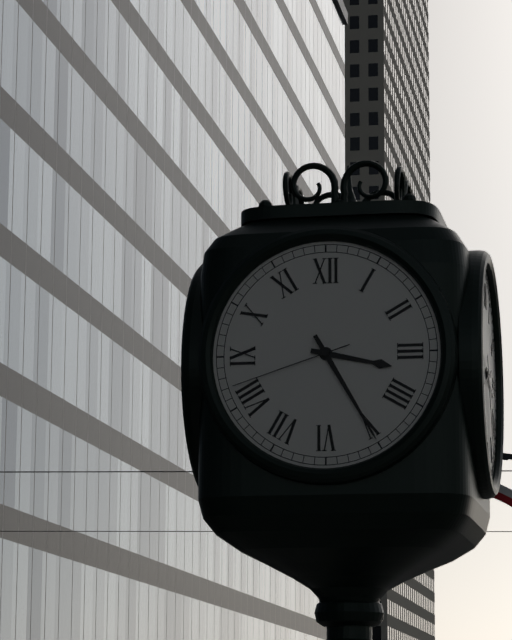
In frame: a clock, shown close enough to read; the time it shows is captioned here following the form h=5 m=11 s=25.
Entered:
h=3 m=25 s=42
